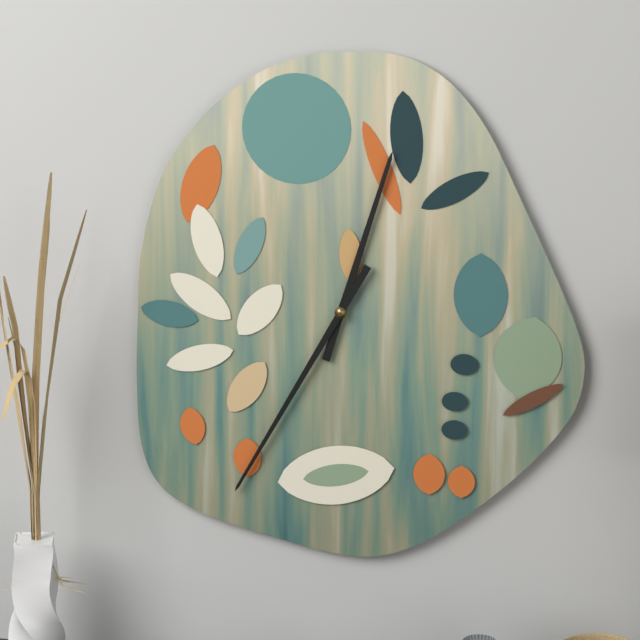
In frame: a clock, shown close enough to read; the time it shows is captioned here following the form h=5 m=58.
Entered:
h=12 m=35
